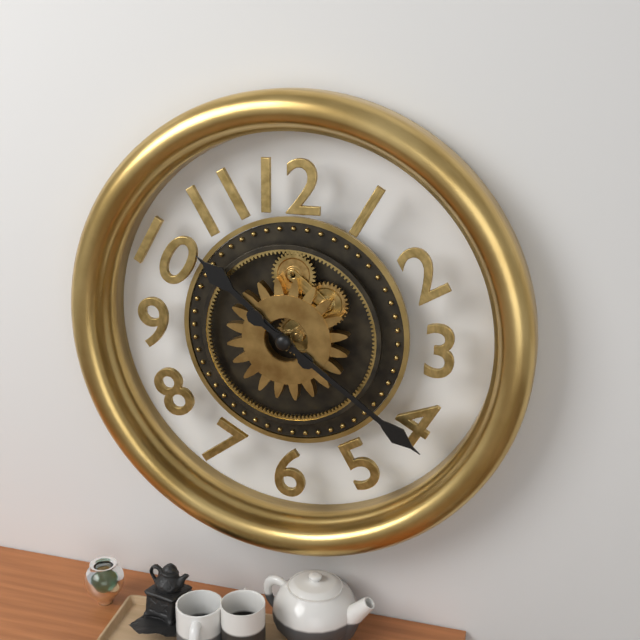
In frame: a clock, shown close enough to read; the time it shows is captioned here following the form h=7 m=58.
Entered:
h=10 m=21
